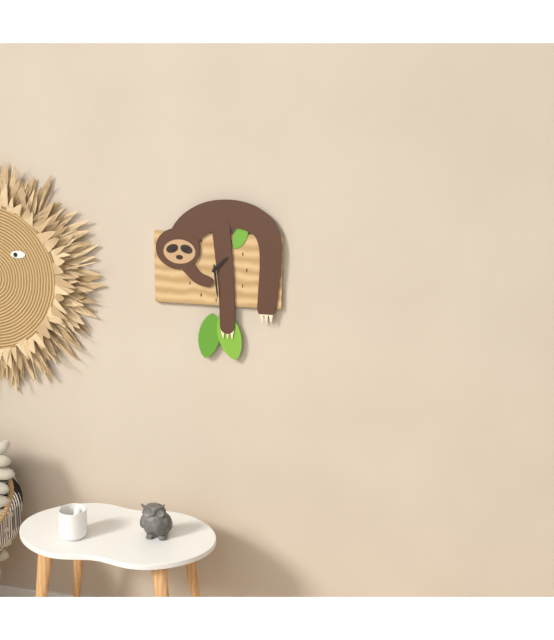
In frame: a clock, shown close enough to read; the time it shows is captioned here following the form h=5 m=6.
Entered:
h=1 m=29
